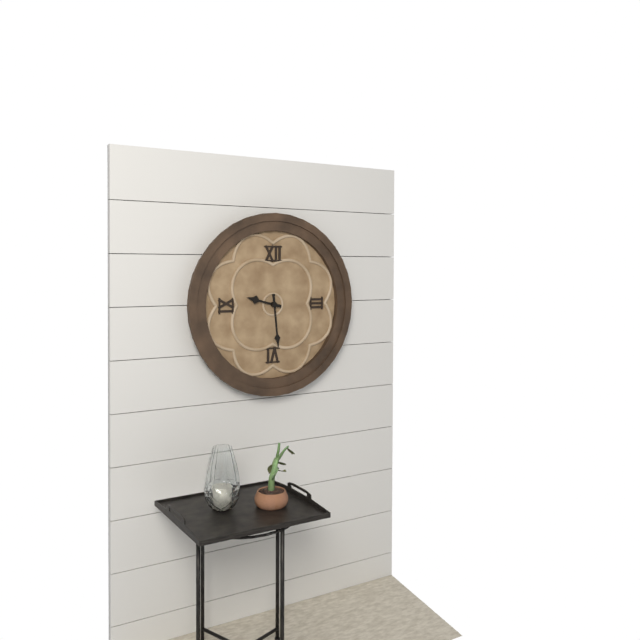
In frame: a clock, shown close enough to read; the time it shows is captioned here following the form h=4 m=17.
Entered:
h=9 m=29
